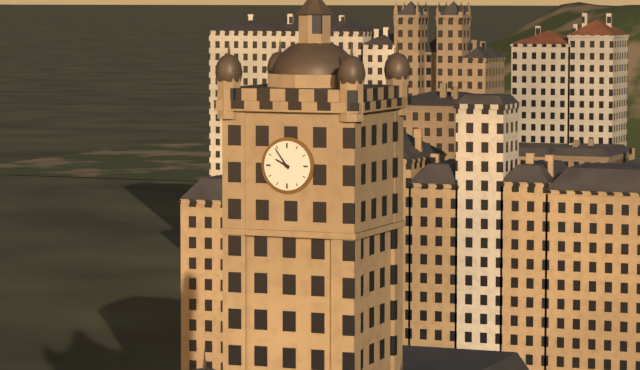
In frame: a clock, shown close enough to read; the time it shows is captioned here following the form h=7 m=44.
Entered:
h=9 m=54
